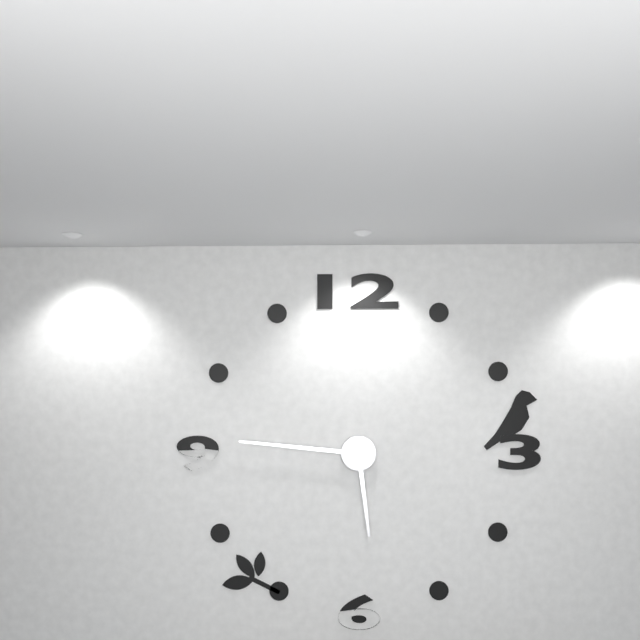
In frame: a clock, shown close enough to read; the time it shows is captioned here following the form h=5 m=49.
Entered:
h=5 m=46
